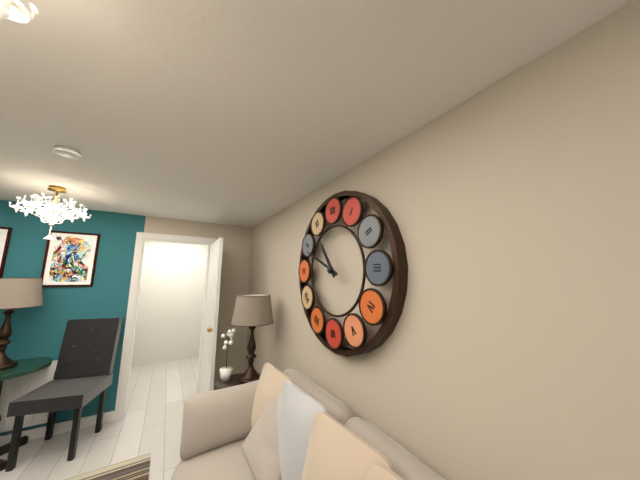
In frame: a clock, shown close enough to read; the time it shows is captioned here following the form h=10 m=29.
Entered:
h=10 m=49
